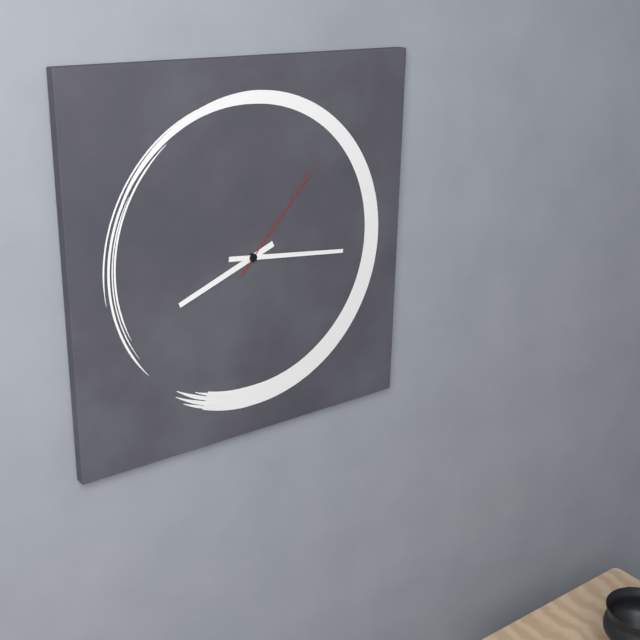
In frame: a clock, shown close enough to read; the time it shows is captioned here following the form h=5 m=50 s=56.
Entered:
h=8 m=16 s=7
